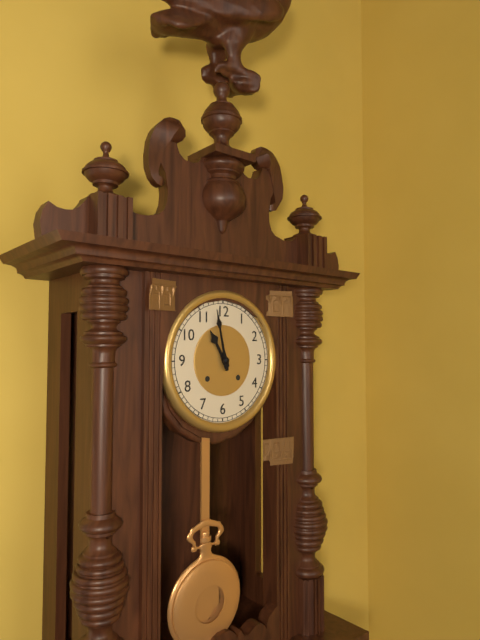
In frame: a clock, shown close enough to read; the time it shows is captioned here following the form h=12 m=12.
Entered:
h=10 m=58
